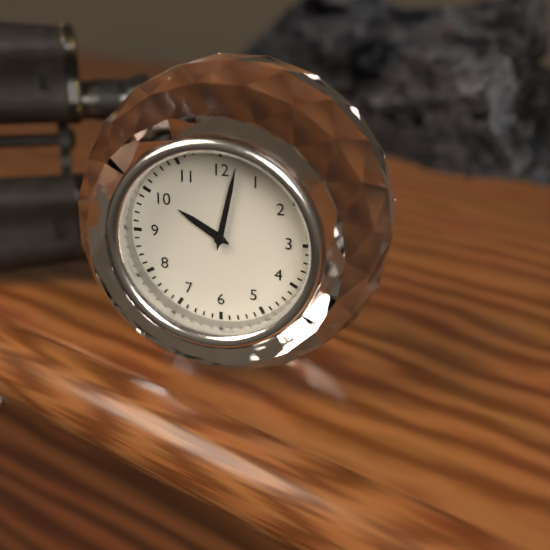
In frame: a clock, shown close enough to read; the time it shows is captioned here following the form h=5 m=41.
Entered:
h=10 m=2
